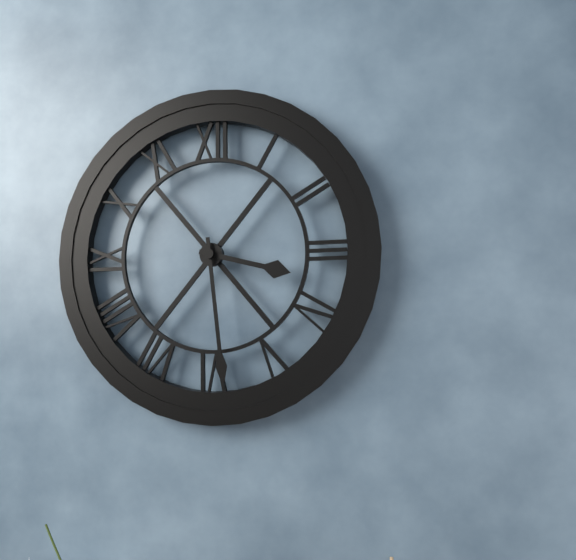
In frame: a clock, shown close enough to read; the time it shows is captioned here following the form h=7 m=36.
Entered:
h=3 m=29
